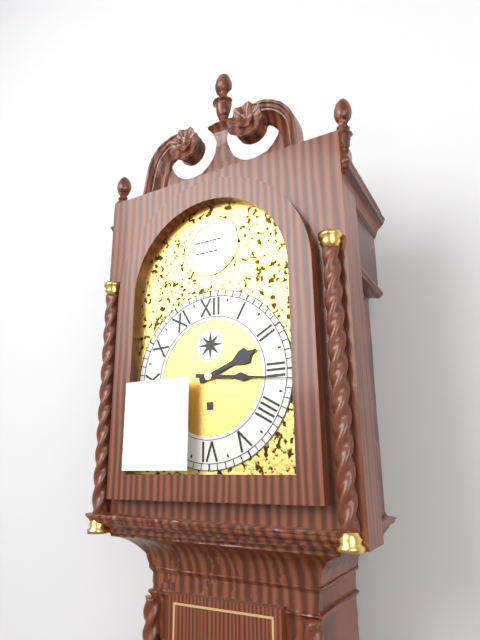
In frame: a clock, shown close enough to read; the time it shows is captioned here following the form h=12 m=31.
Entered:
h=2 m=16
